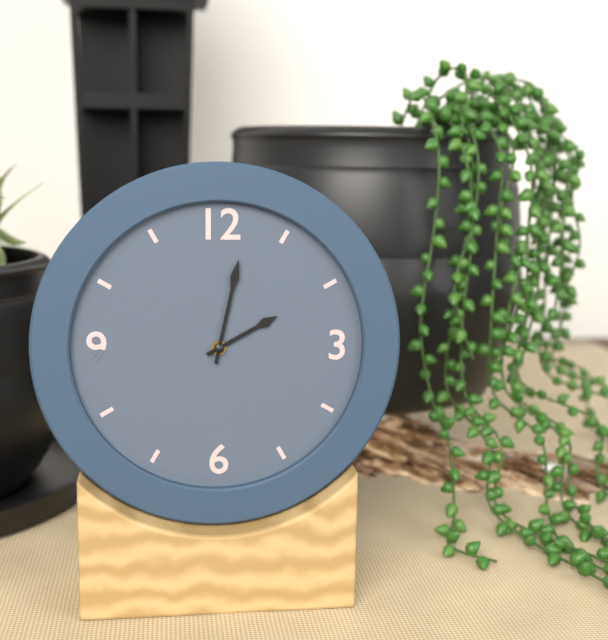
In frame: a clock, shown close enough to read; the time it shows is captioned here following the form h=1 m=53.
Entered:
h=2 m=2
